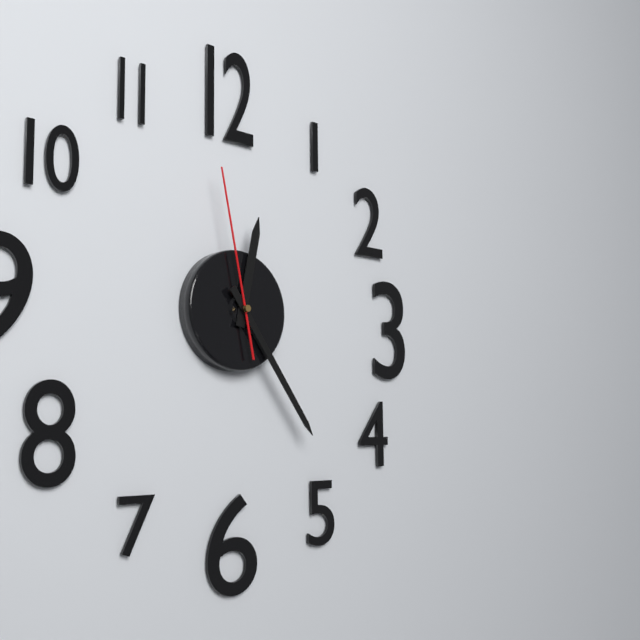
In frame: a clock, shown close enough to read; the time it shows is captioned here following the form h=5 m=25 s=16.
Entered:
h=12 m=24 s=58
